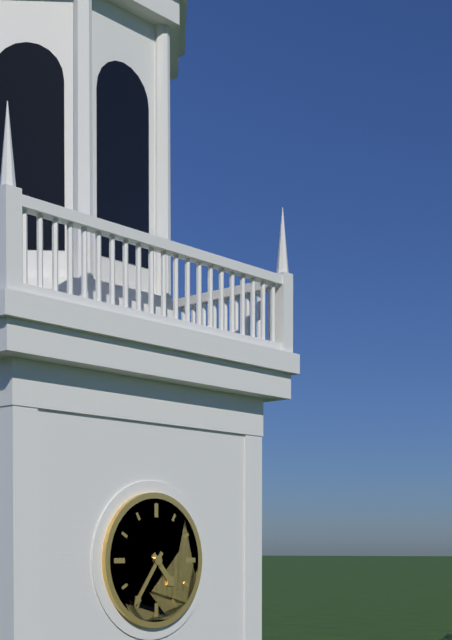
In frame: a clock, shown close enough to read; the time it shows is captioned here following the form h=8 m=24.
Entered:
h=4 m=36
